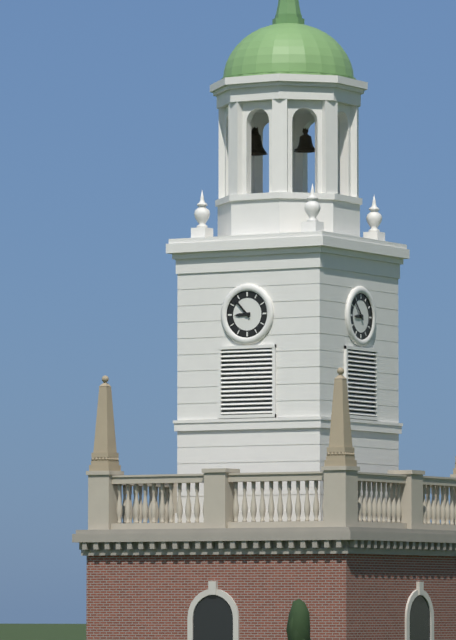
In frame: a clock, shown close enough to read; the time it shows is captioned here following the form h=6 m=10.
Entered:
h=8 m=53
